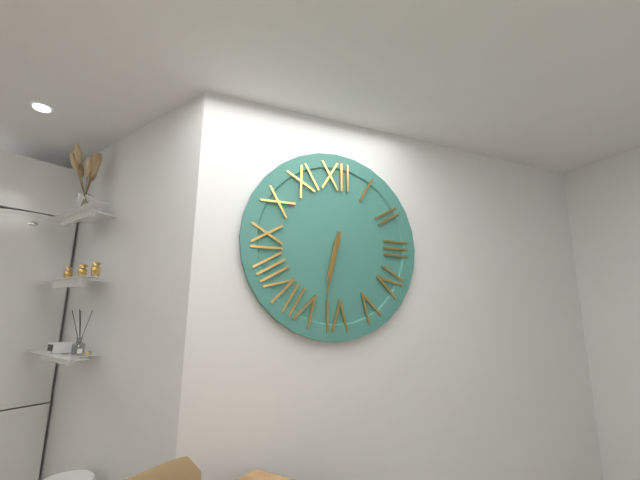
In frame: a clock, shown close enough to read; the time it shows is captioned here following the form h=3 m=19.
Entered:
h=6 m=32
